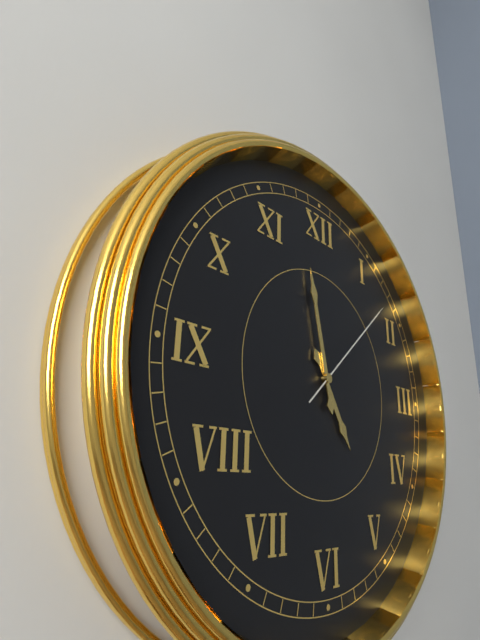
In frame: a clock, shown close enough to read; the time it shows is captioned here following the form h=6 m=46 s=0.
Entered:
h=4 m=58 s=8
